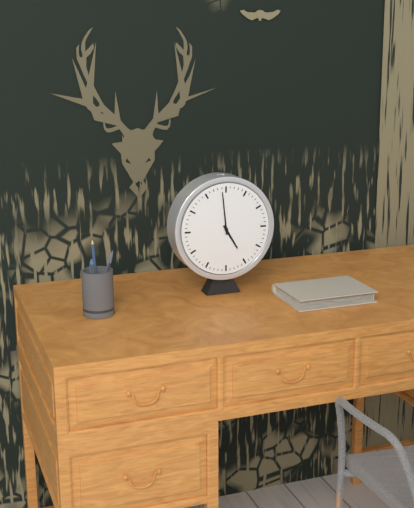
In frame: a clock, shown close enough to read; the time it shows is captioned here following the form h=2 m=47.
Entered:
h=4 m=59
